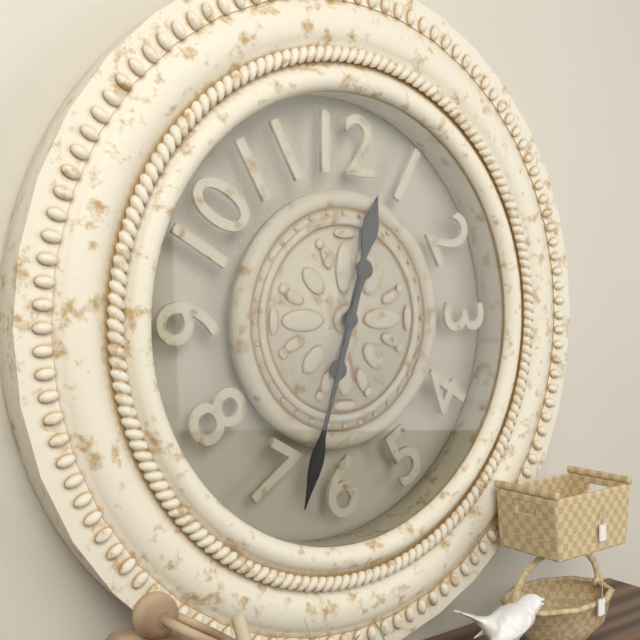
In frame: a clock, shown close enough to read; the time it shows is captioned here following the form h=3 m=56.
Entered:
h=12 m=33
